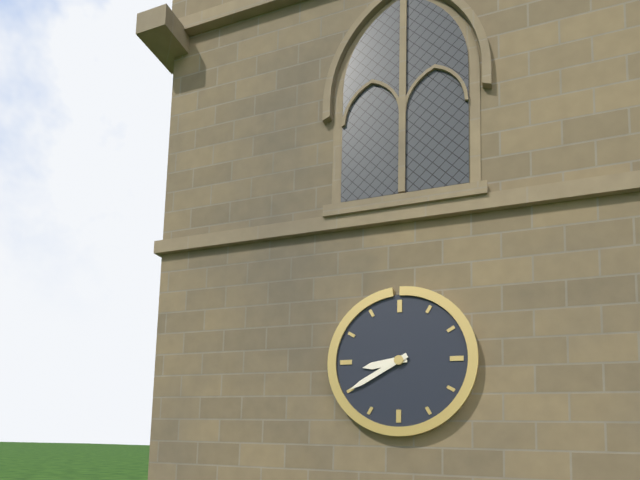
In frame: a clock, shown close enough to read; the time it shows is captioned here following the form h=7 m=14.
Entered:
h=8 m=40
